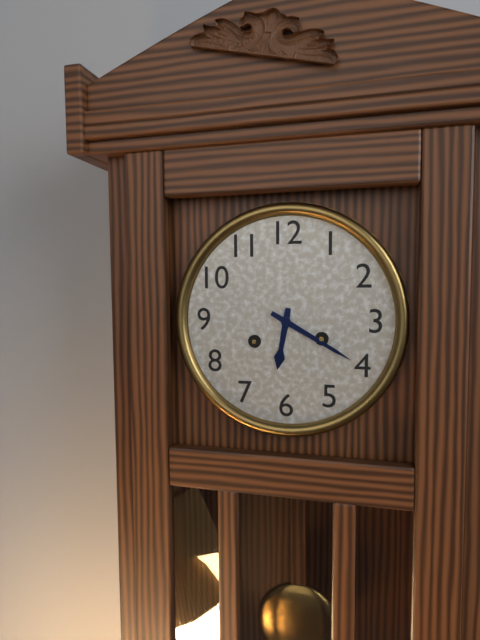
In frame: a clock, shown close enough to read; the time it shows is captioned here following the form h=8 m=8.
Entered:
h=6 m=20
